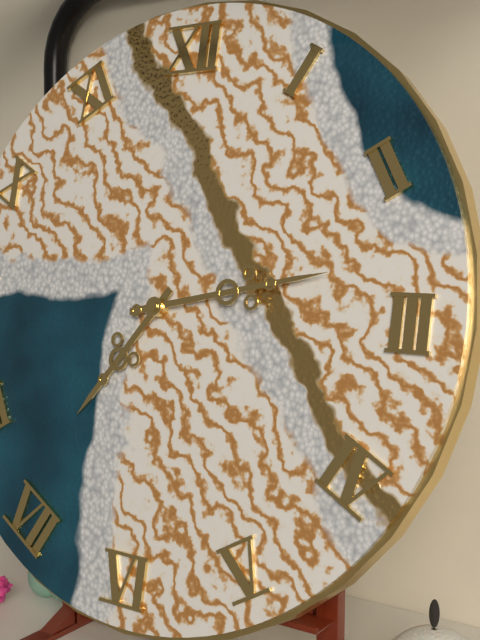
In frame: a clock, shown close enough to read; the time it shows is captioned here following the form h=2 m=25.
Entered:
h=7 m=13
